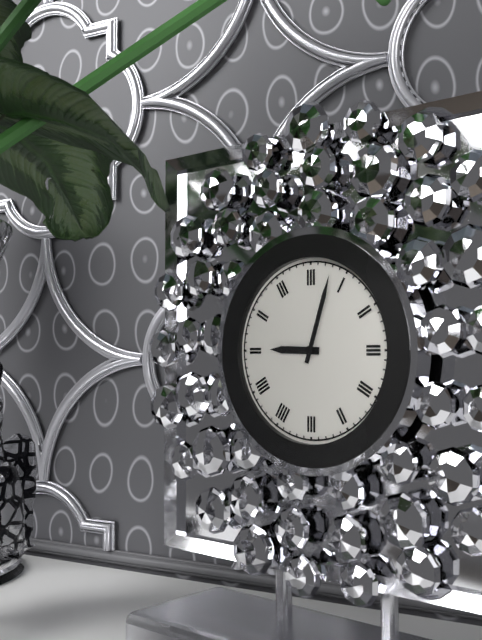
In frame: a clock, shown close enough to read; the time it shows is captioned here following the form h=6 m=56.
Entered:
h=9 m=3
